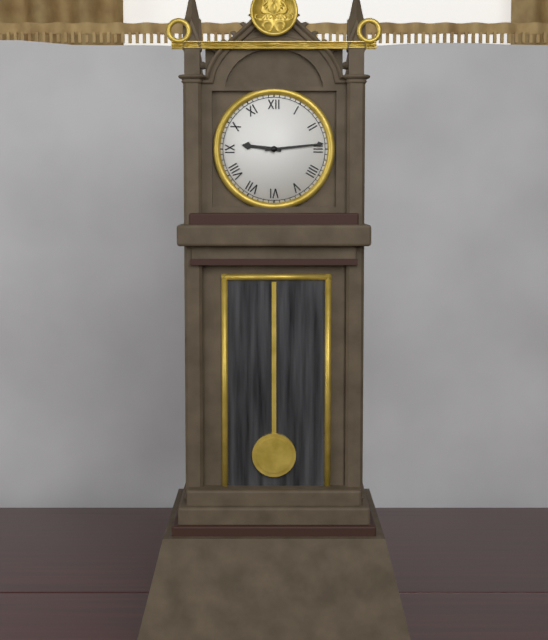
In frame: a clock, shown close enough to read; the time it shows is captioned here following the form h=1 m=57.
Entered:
h=9 m=14
